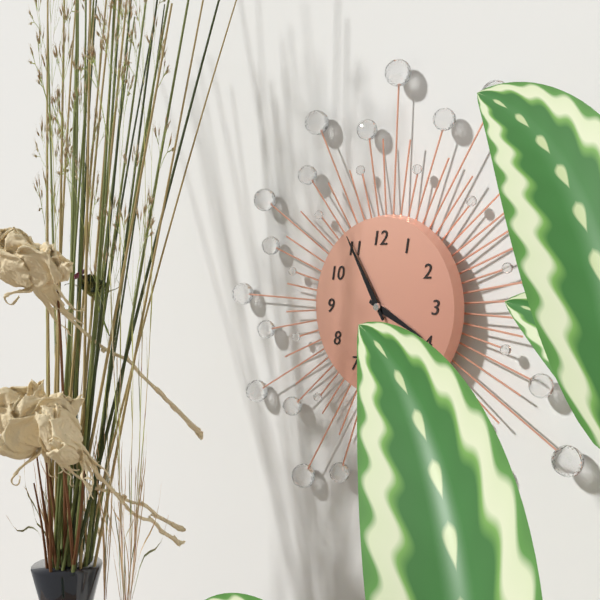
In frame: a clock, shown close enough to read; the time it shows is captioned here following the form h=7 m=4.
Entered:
h=3 m=55
